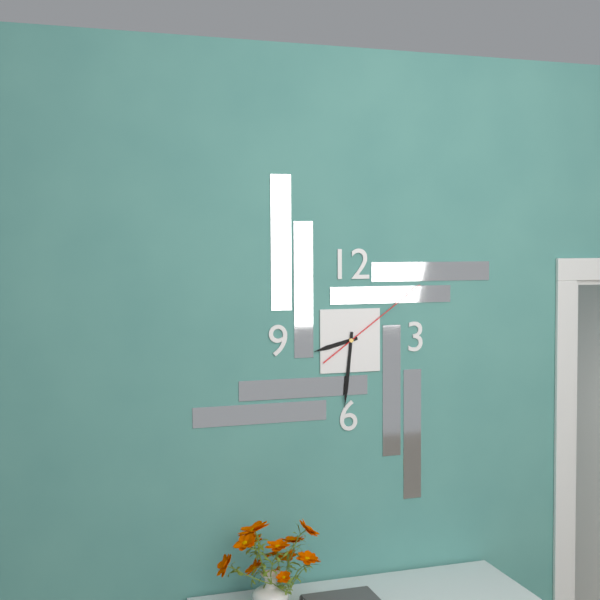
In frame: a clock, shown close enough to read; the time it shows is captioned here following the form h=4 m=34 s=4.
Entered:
h=8 m=31 s=9
